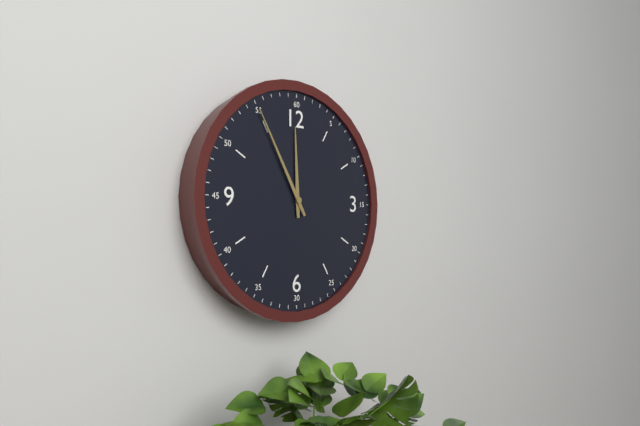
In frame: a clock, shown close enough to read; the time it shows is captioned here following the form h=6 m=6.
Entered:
h=11 m=55
